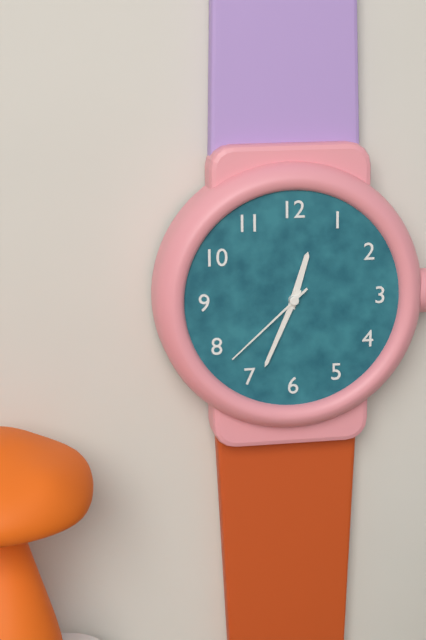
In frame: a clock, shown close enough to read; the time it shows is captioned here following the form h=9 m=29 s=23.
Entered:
h=12 m=34 s=38
